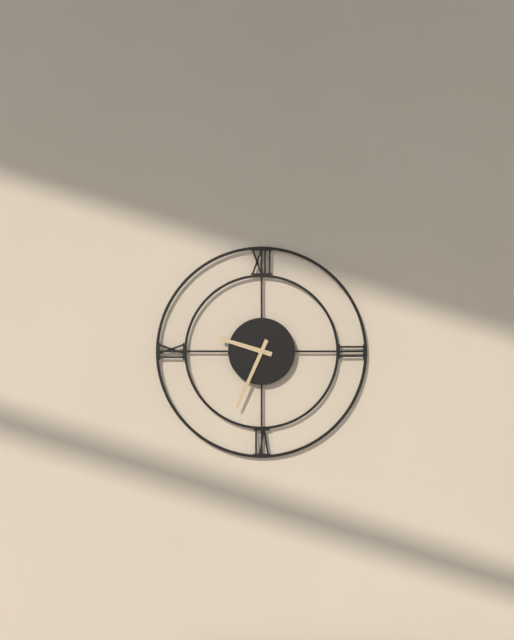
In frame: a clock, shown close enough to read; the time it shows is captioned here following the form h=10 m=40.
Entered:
h=9 m=34
